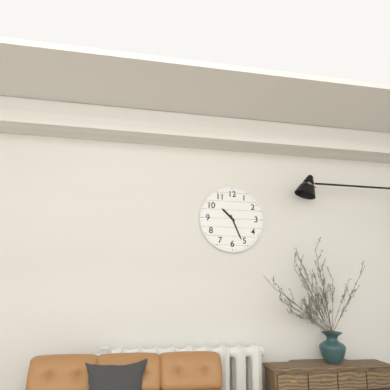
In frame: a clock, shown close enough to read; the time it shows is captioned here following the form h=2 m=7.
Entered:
h=10 m=26
